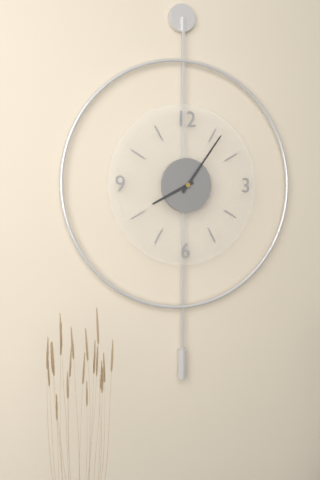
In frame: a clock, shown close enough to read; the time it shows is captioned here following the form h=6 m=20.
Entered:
h=8 m=6
